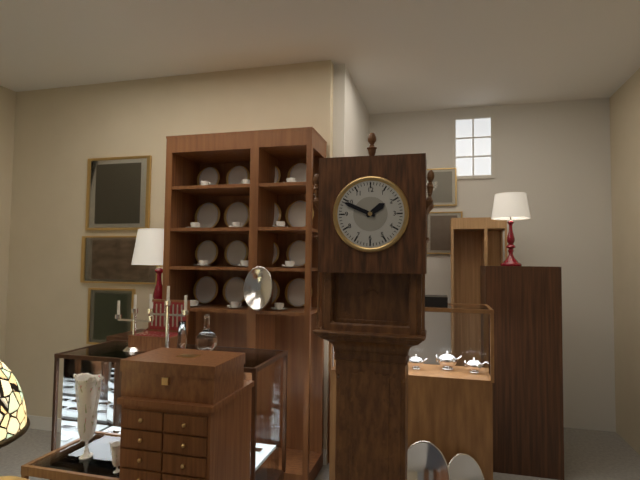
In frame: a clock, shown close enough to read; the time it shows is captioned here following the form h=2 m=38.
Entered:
h=1 m=49
